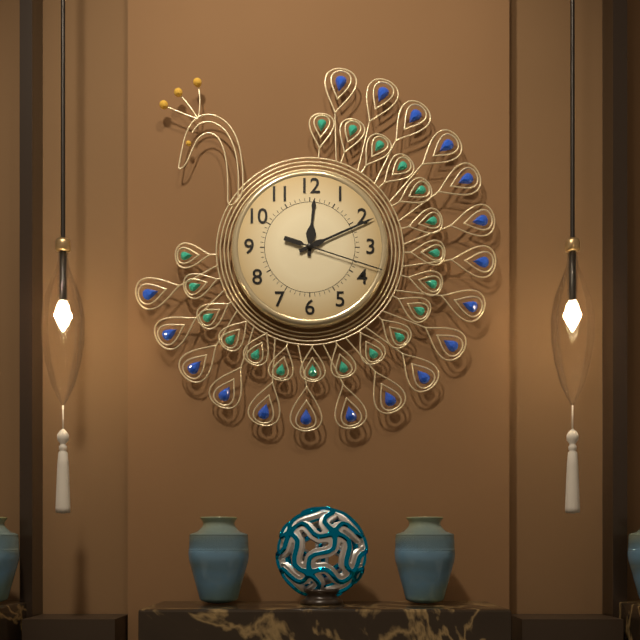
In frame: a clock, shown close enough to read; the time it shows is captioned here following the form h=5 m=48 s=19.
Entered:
h=12 m=11 s=18
